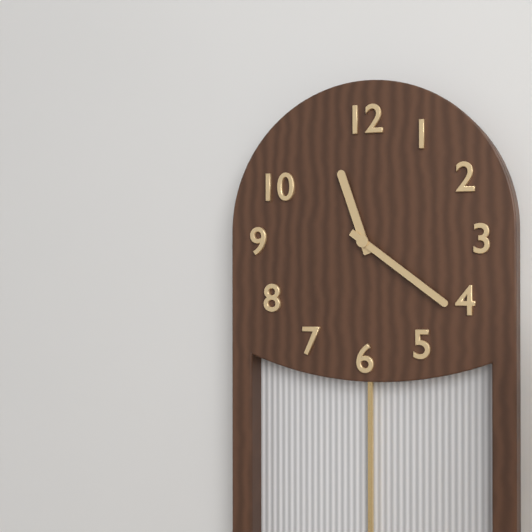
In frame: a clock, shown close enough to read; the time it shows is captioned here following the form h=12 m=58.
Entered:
h=11 m=21
